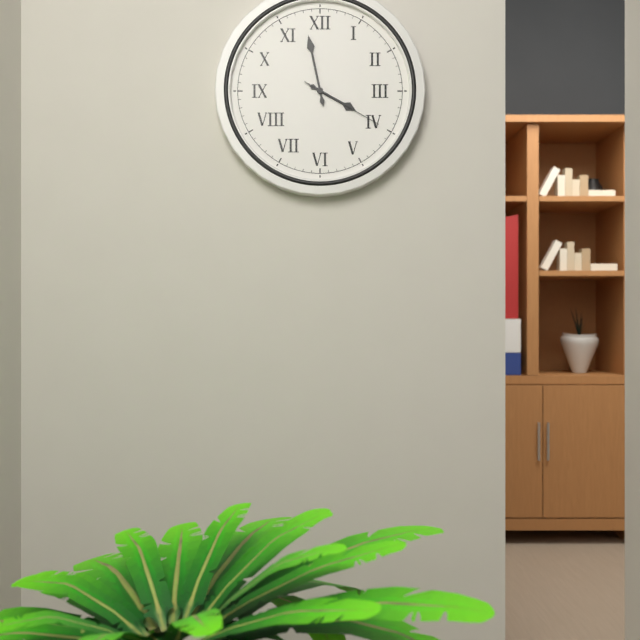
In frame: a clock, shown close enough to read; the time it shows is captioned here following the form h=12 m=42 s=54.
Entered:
h=3 m=58 s=20
